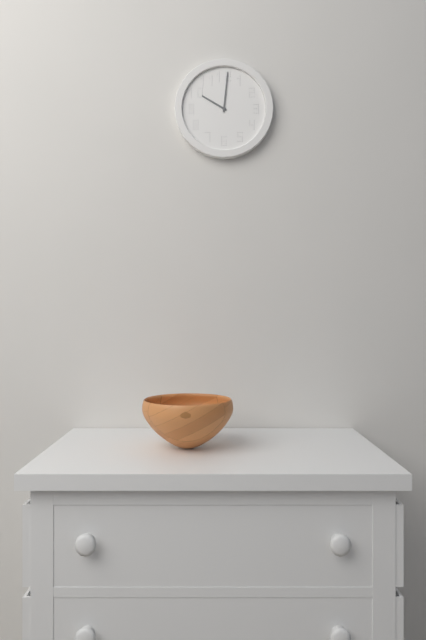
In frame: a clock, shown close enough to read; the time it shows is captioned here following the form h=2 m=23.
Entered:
h=10 m=1
